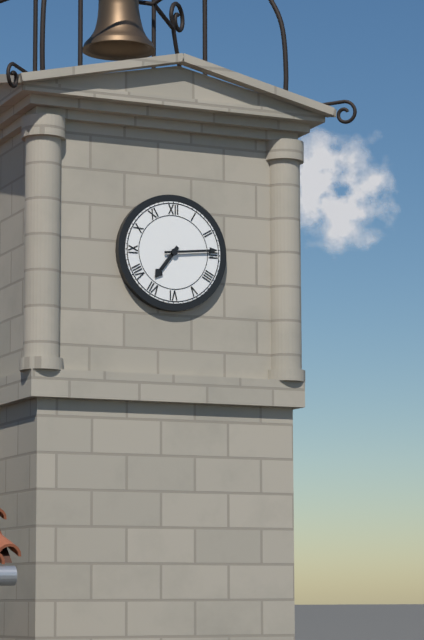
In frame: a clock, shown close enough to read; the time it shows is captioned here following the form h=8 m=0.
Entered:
h=7 m=14
